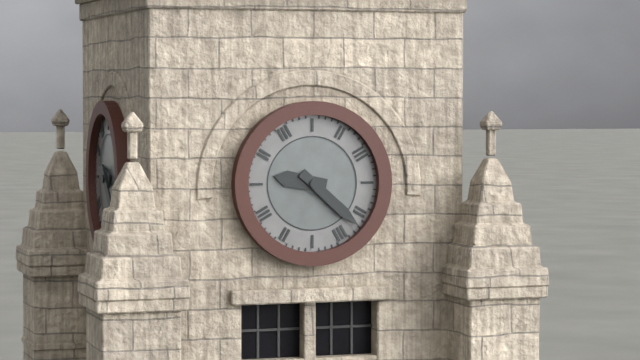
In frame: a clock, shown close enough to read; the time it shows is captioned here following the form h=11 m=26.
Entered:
h=9 m=22
